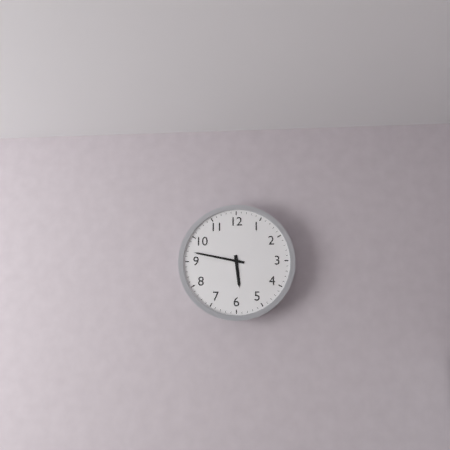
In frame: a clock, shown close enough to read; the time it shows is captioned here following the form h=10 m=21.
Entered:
h=5 m=47
